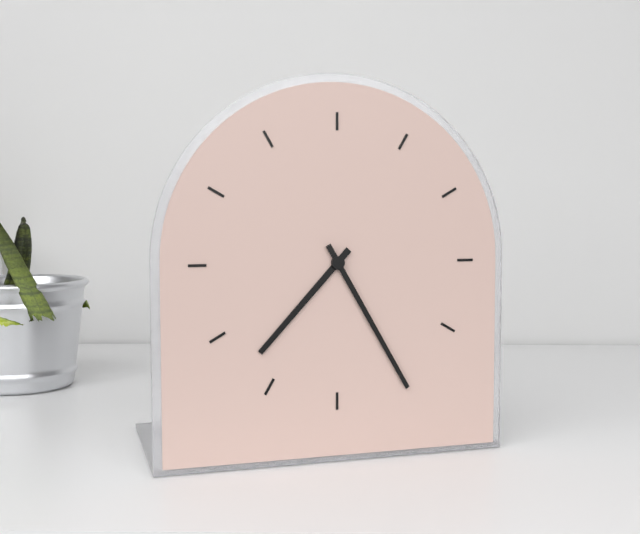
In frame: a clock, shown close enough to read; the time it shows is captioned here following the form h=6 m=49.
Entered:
h=7 m=25
